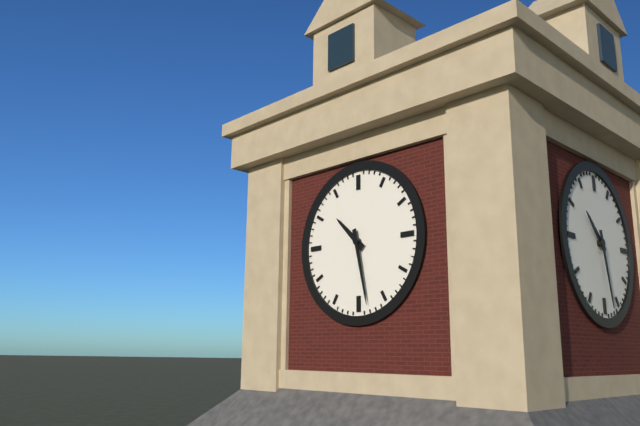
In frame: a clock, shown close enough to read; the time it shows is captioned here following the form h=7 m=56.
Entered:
h=10 m=28
